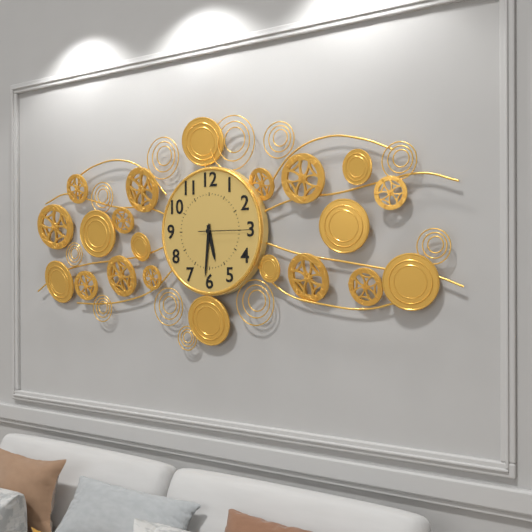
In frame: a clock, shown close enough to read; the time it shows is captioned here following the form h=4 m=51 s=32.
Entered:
h=5 m=31 s=15
